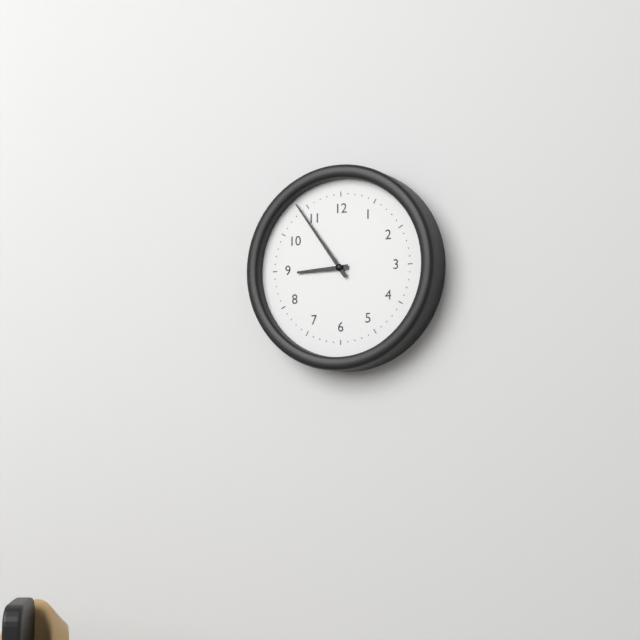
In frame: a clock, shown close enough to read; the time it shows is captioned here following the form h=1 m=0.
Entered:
h=8 m=54
